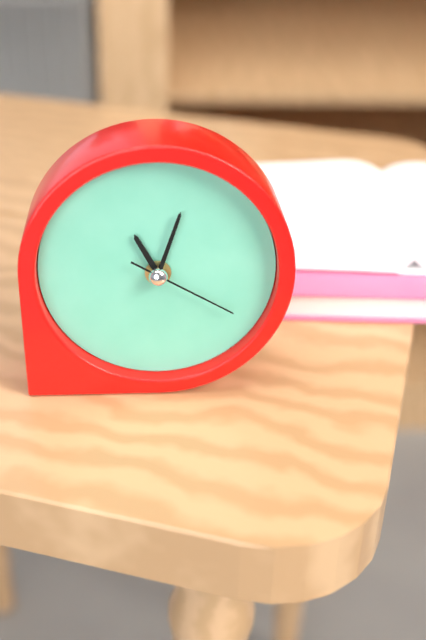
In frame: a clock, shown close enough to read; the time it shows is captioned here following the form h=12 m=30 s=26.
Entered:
h=11 m=3 s=20
